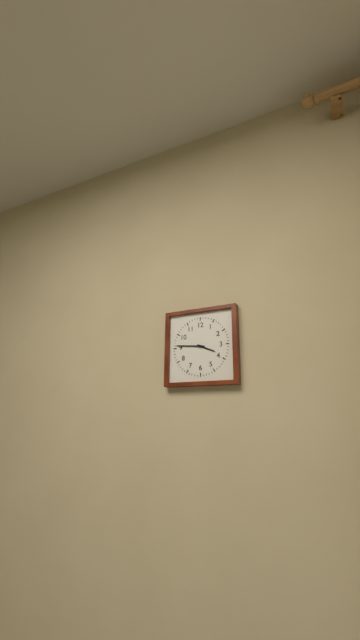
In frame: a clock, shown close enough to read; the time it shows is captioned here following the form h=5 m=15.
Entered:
h=3 m=46
